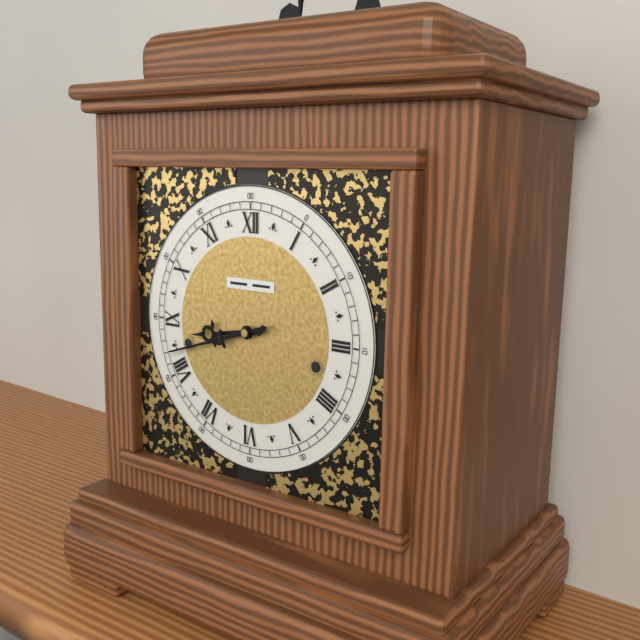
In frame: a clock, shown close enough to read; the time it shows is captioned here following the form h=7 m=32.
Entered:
h=8 m=42
